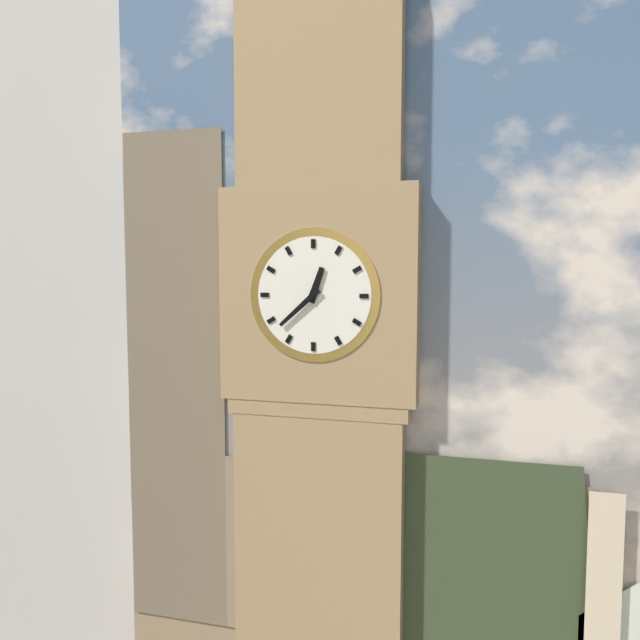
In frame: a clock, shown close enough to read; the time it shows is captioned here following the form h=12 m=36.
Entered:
h=12 m=38
